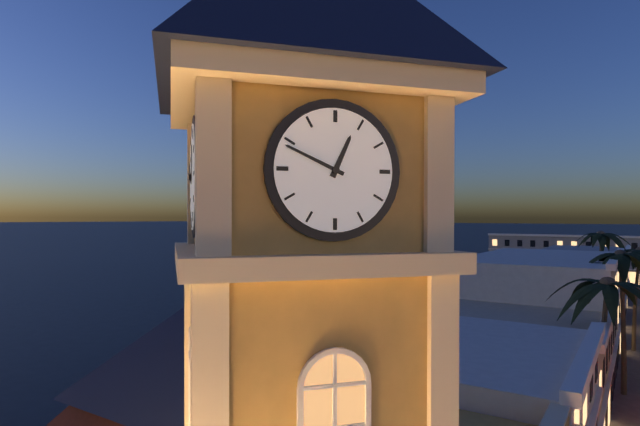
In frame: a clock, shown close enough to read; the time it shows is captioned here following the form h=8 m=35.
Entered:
h=12 m=49
